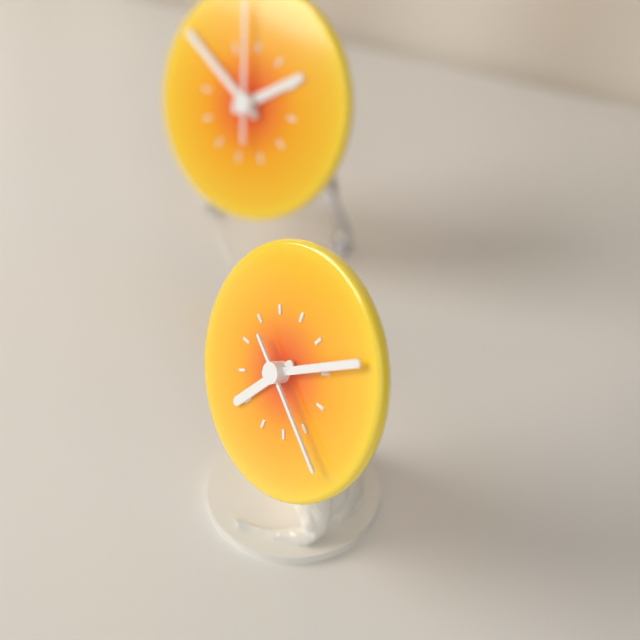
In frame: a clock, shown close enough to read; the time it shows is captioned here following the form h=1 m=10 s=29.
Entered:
h=7 m=9 s=20
